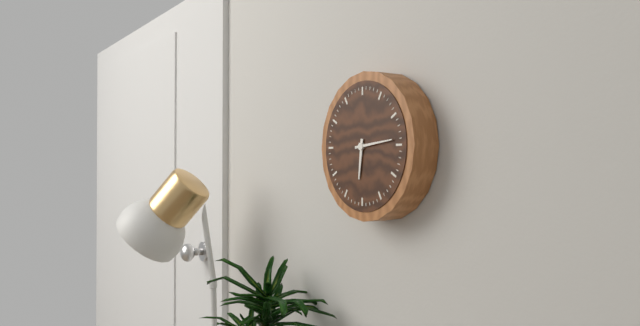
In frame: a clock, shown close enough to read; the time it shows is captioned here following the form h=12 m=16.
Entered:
h=6 m=14
